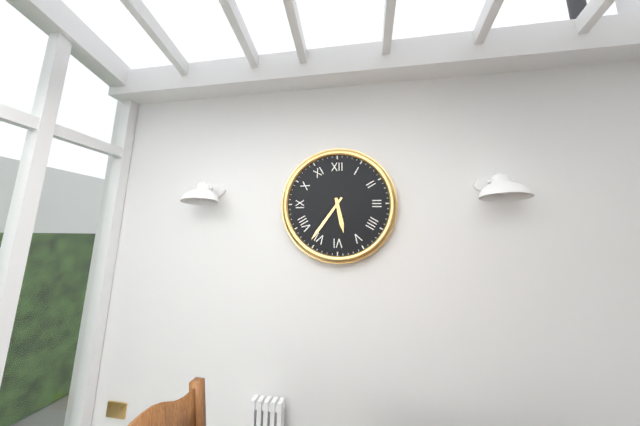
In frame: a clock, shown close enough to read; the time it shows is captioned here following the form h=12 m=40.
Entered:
h=5 m=36
